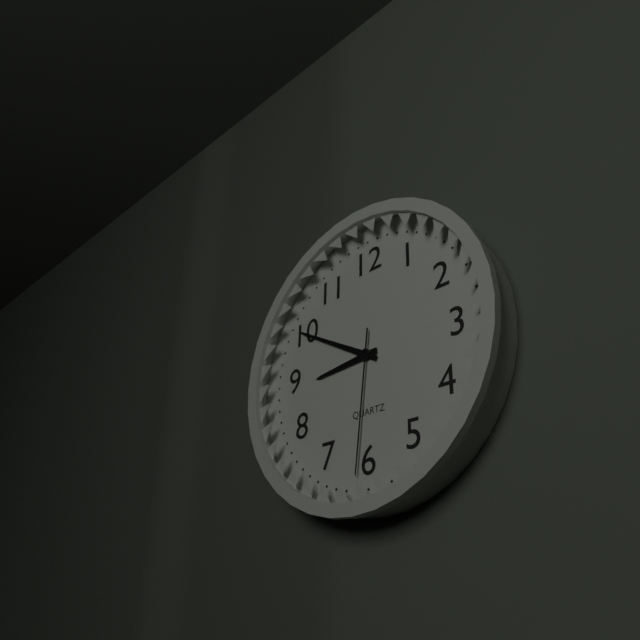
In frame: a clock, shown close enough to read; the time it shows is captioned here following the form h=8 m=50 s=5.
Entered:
h=8 m=50 s=31
